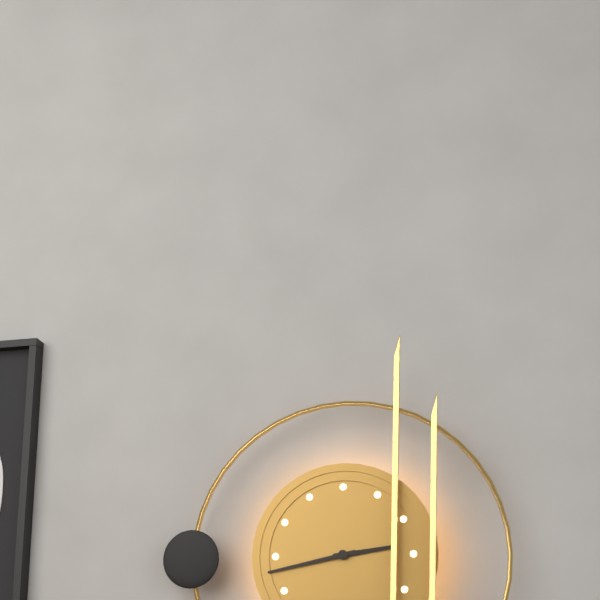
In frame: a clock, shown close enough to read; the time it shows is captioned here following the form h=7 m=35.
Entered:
h=2 m=43
